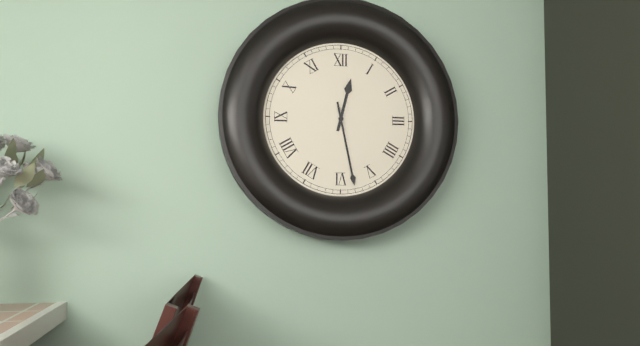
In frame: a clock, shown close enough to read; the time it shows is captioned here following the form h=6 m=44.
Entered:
h=12 m=28
